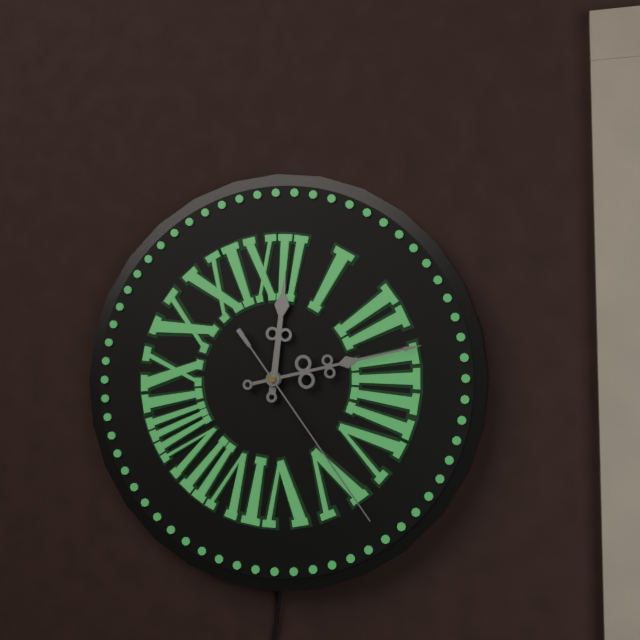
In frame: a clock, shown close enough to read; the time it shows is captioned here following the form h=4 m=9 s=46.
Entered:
h=12 m=13 s=24
